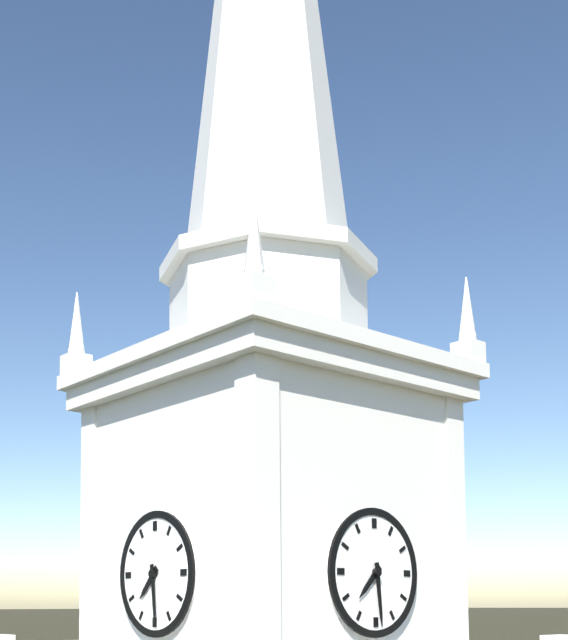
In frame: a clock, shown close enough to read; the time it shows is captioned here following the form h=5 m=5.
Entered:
h=7 m=29
